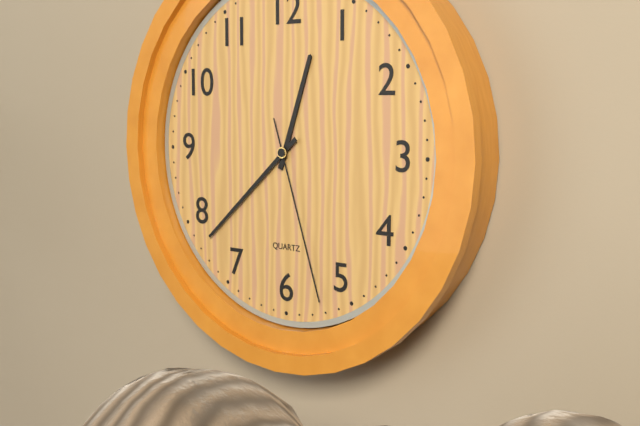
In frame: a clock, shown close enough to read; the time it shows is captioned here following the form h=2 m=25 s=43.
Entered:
h=12 m=38 s=27
